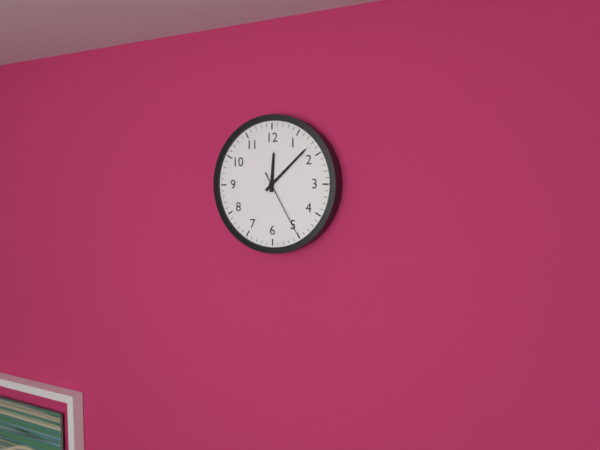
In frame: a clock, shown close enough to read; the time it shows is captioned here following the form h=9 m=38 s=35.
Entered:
h=12 m=8 s=25
